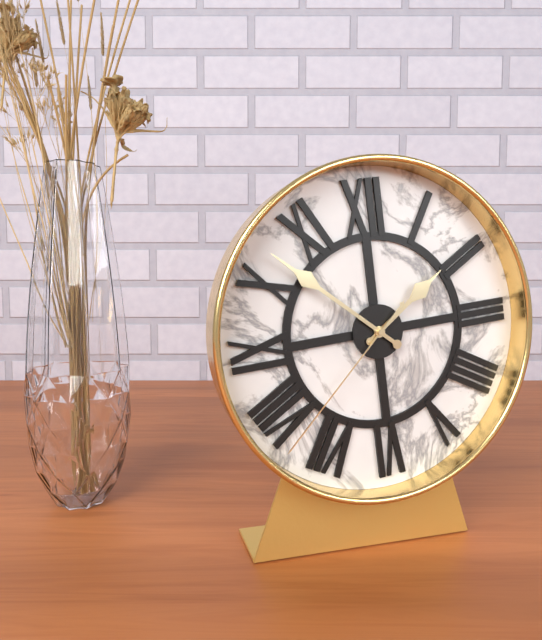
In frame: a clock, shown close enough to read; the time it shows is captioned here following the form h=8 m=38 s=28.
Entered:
h=1 m=52 s=38
